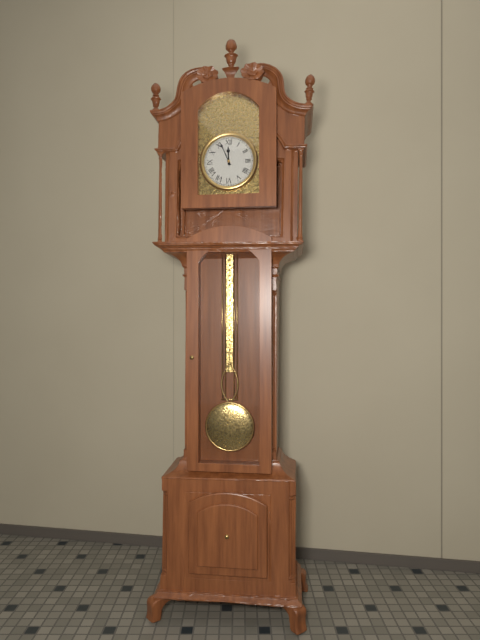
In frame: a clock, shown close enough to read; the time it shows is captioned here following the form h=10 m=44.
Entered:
h=11 m=56
